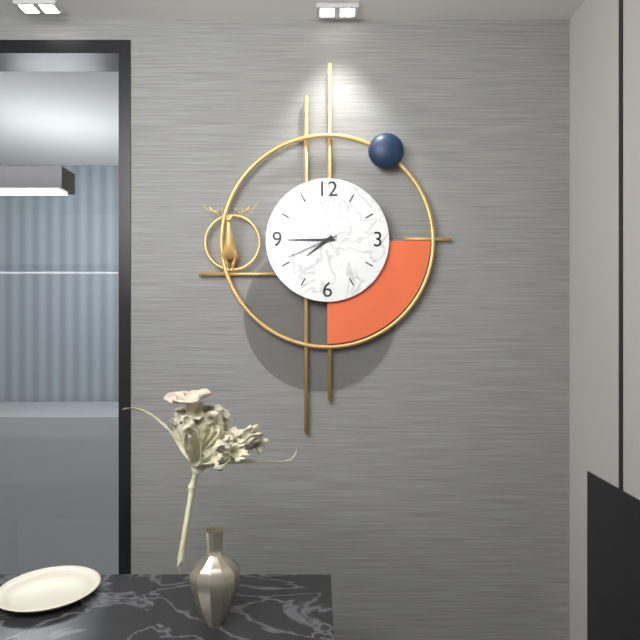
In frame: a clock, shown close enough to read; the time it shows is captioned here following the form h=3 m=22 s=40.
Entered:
h=7 m=45 s=41
